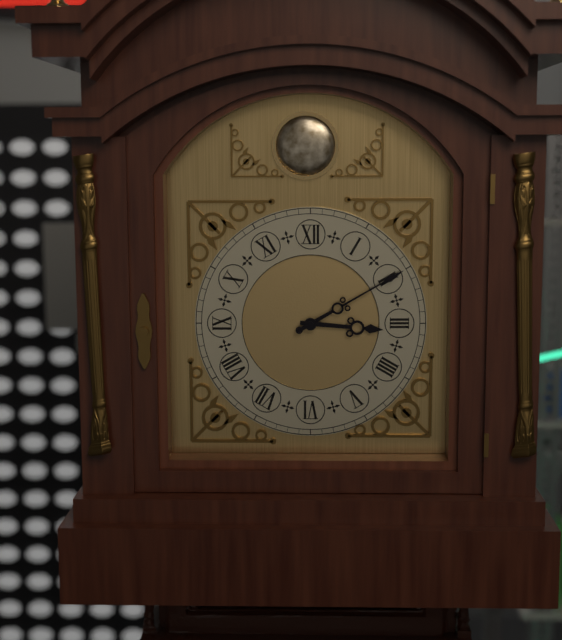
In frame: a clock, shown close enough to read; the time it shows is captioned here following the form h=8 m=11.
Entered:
h=3 m=10
